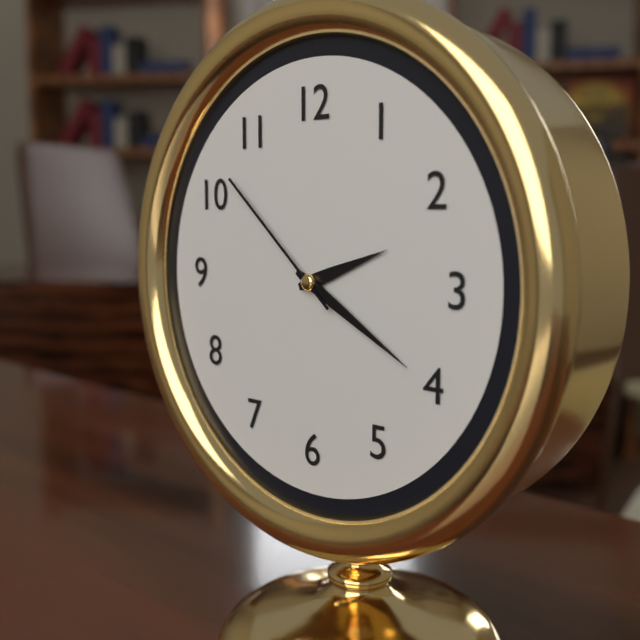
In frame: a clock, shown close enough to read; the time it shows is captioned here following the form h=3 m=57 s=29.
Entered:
h=2 m=20 s=52
